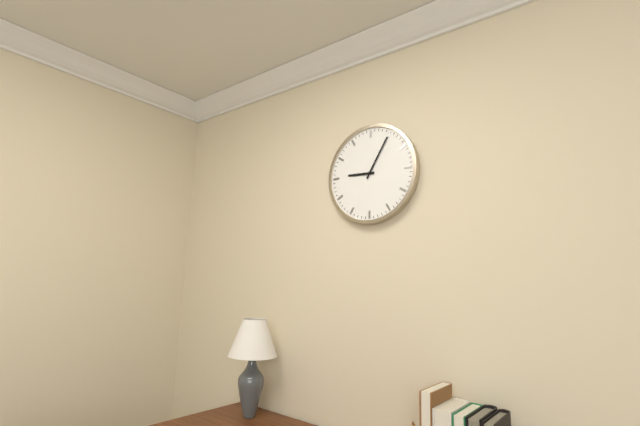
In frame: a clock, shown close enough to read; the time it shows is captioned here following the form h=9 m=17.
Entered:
h=9 m=5
